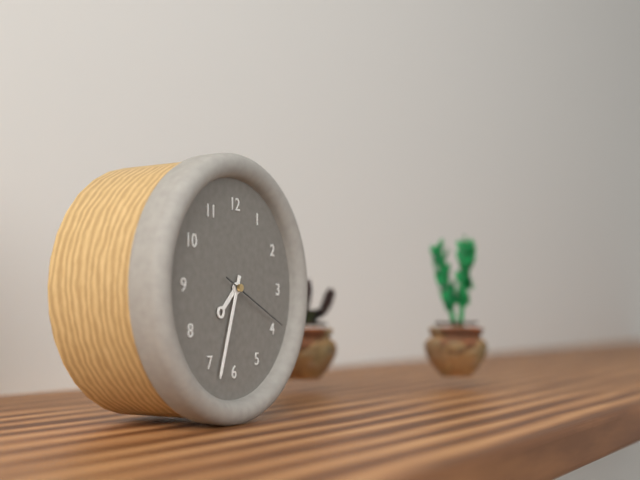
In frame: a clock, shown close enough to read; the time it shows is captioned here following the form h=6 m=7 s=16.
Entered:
h=7 m=33 s=19
